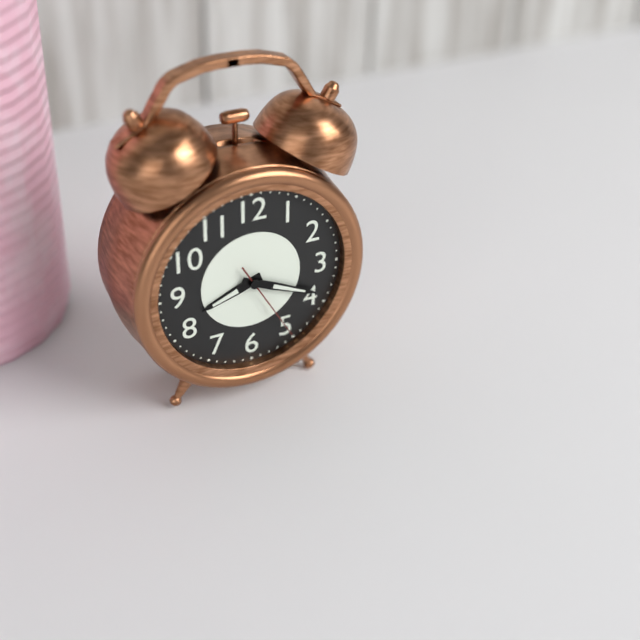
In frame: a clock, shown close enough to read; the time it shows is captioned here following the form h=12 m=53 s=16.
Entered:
h=8 m=19 s=25
